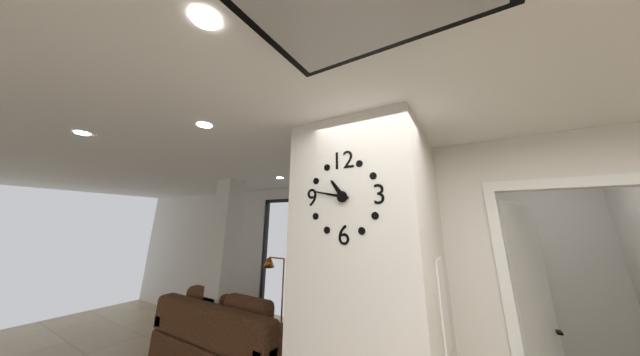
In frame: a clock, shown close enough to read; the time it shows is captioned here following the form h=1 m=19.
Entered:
h=10 m=47
